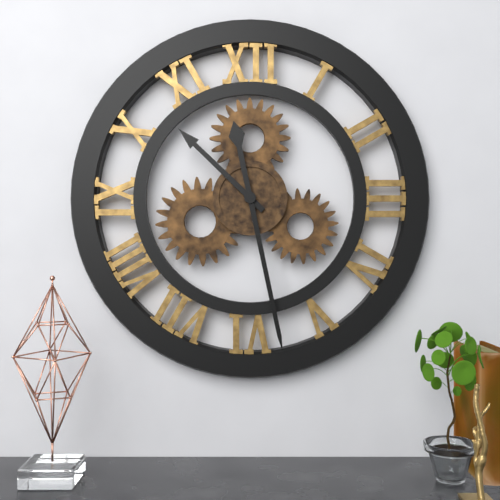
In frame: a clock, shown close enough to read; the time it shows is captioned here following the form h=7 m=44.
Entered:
h=10 m=28
